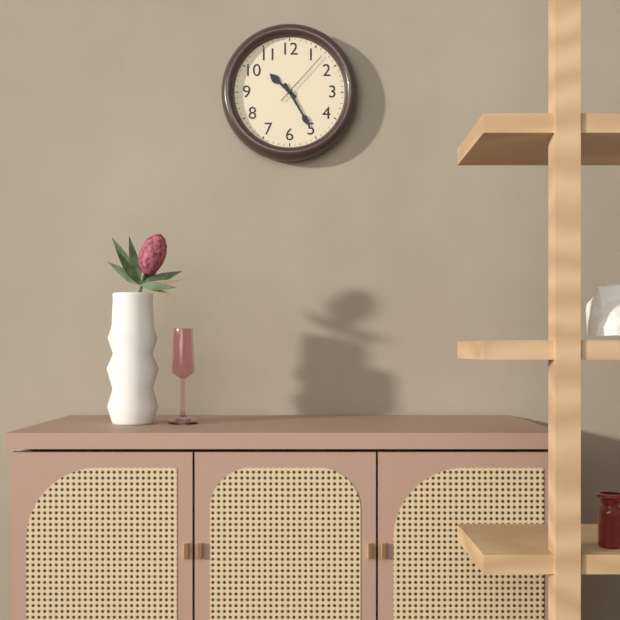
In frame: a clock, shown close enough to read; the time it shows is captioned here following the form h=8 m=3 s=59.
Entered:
h=10 m=25 s=7
